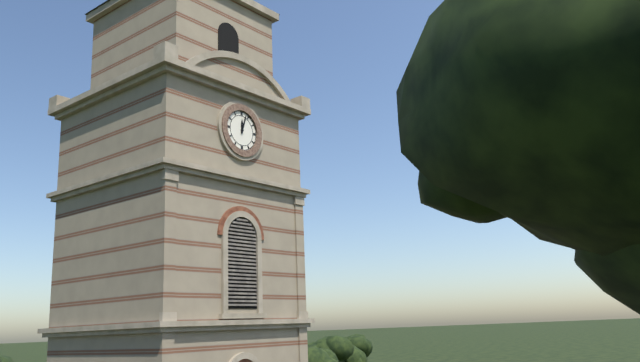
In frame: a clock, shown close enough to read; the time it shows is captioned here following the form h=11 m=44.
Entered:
h=12 m=3
